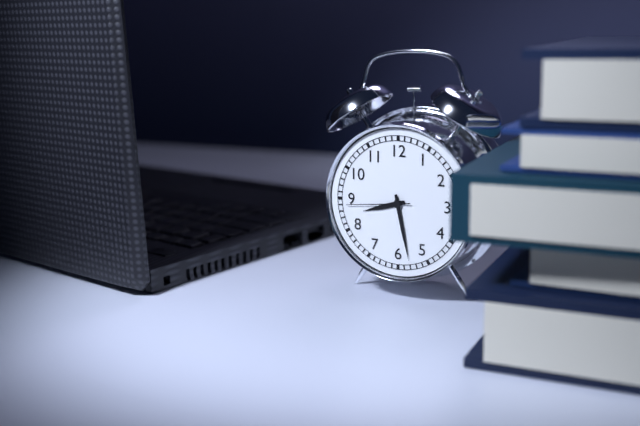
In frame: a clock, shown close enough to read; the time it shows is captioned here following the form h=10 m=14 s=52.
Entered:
h=8 m=28 s=44
